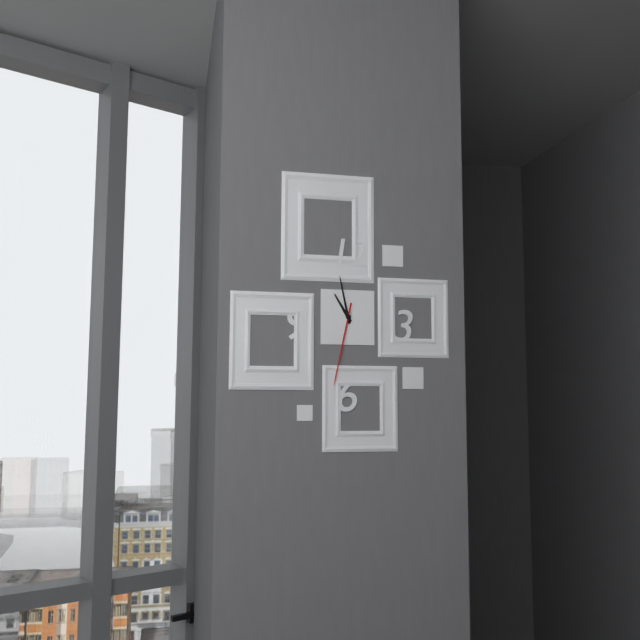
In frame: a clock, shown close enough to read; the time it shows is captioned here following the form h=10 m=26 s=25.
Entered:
h=10 m=58 s=32
